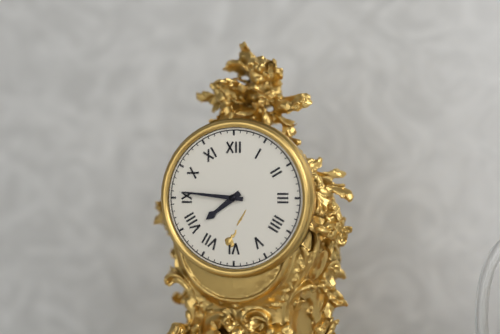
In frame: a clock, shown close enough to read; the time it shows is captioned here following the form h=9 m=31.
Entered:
h=7 m=46
